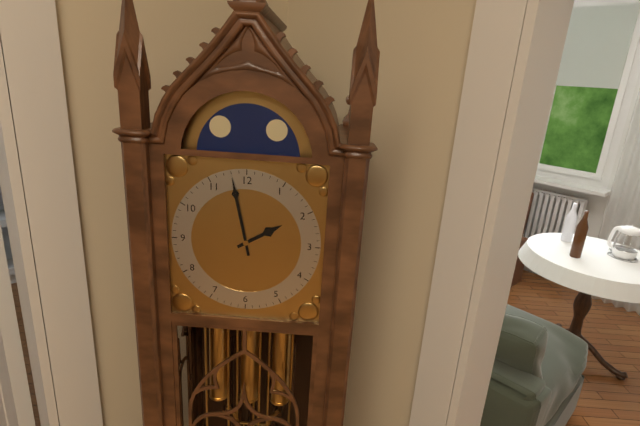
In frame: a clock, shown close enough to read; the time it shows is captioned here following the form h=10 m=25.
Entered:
h=1 m=58
